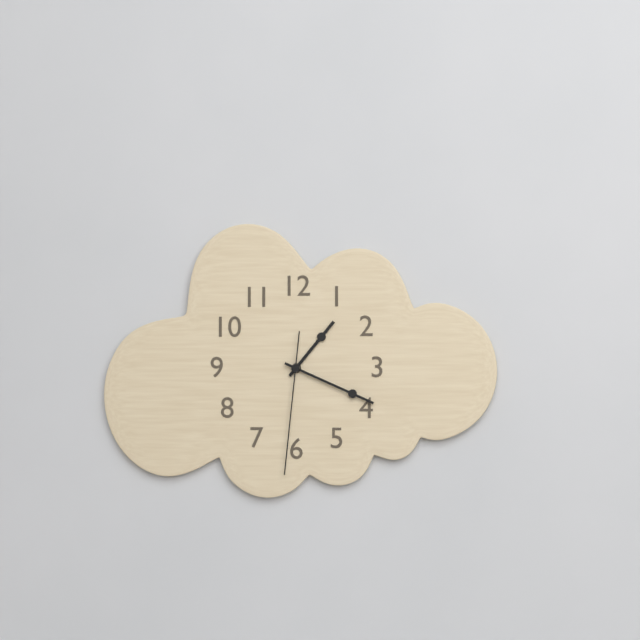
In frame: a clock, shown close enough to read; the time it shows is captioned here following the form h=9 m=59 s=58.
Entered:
h=1 m=19 s=31
